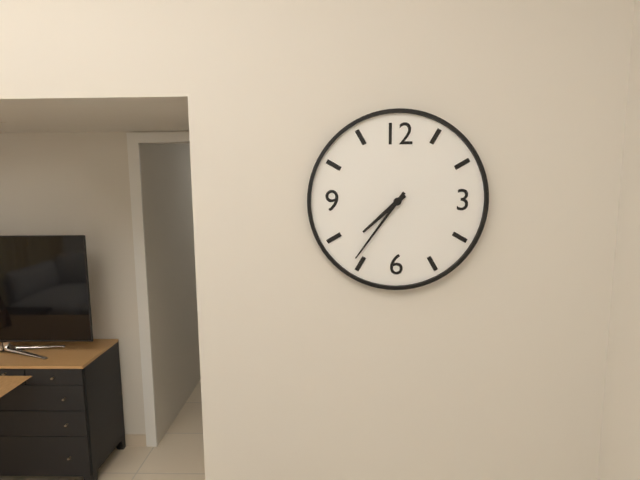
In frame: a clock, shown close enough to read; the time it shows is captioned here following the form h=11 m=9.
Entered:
h=7 m=36
